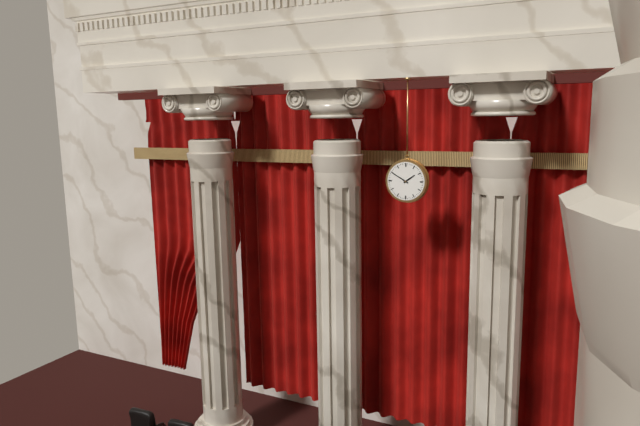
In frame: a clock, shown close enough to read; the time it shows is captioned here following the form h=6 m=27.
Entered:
h=1 m=50
